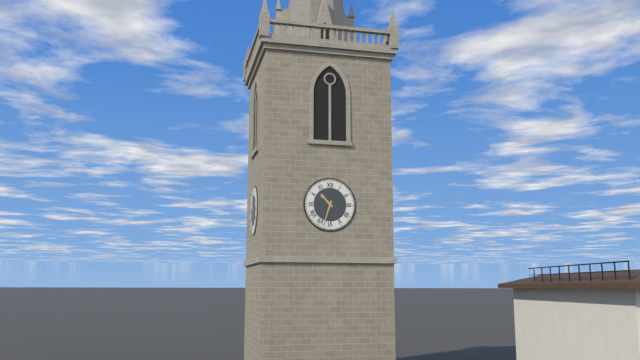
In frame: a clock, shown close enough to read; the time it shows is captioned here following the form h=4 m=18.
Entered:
h=10 m=33
